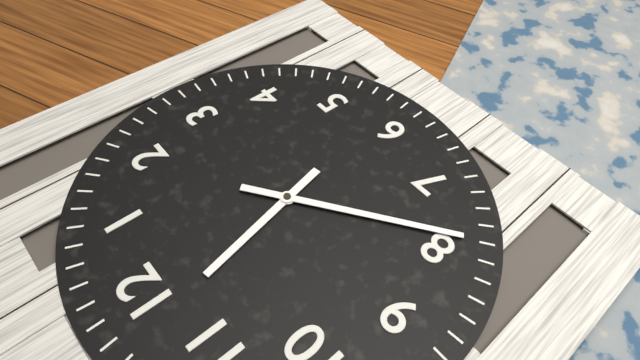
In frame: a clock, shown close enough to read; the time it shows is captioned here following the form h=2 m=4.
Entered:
h=11 m=39
